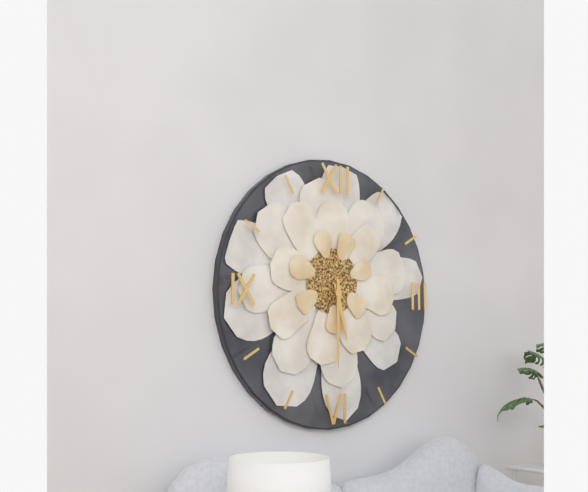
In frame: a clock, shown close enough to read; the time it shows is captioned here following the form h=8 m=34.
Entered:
h=5 m=30
